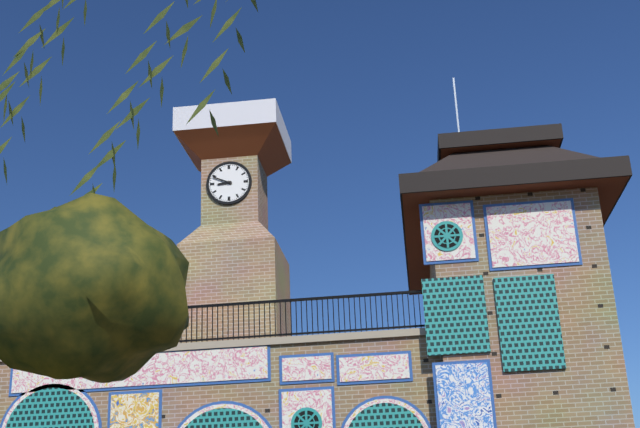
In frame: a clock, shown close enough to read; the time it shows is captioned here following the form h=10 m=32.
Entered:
h=8 m=49
